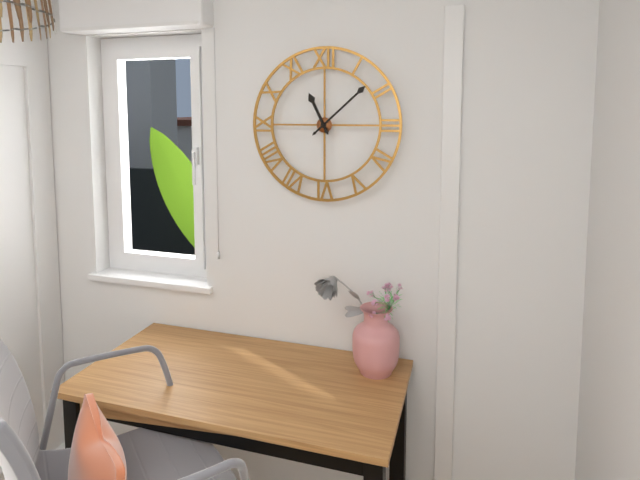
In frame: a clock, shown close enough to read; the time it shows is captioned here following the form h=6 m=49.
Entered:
h=11 m=8
